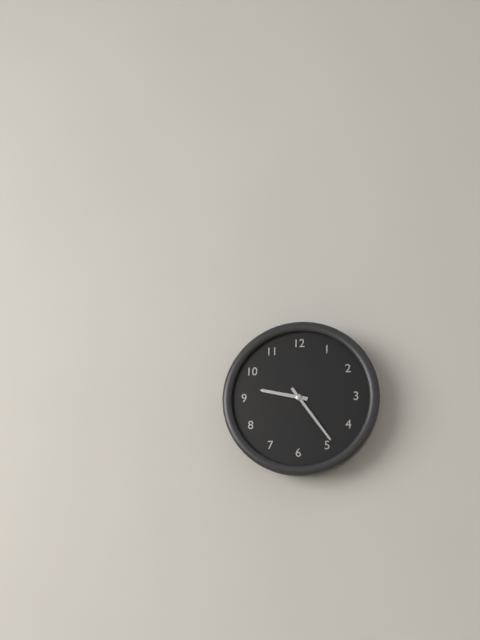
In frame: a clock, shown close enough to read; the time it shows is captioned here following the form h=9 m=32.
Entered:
h=9 m=24
